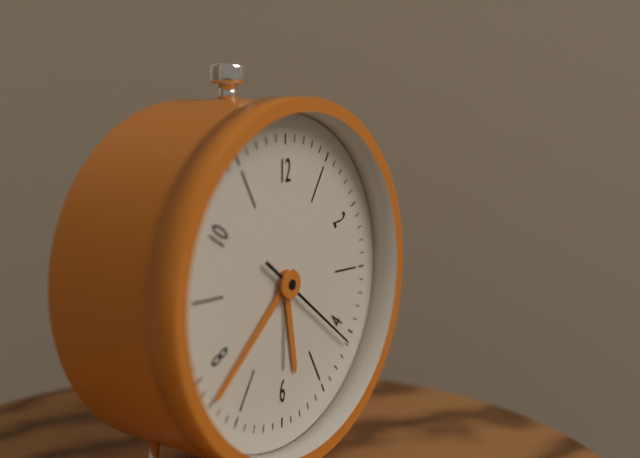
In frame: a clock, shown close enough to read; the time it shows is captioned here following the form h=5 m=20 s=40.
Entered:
h=5 m=38 s=21
